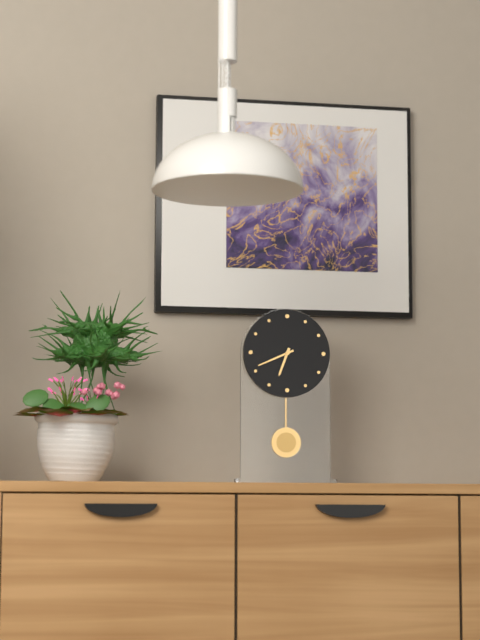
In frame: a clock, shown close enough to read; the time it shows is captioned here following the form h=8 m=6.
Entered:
h=6 m=41
